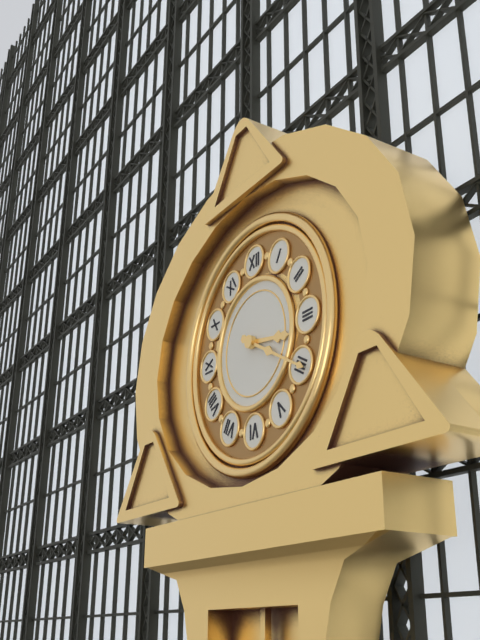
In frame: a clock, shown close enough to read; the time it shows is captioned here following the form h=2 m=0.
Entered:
h=3 m=20
